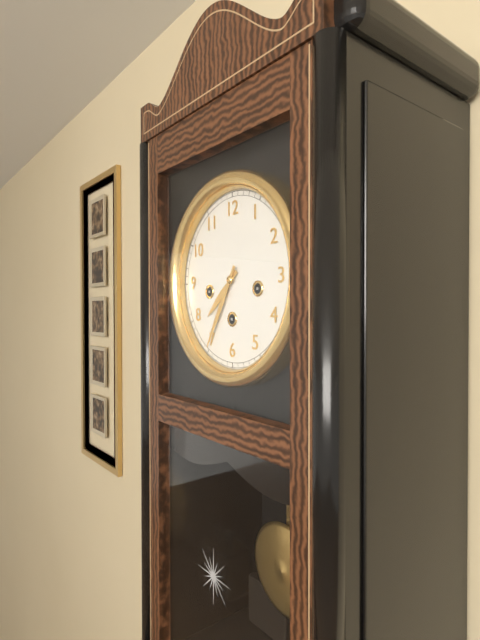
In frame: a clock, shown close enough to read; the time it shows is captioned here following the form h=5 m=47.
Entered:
h=7 m=35
